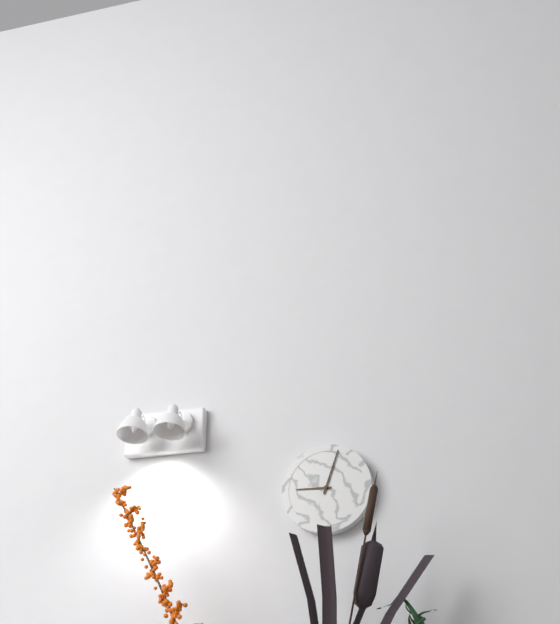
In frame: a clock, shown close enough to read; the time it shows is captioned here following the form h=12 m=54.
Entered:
h=9 m=3
